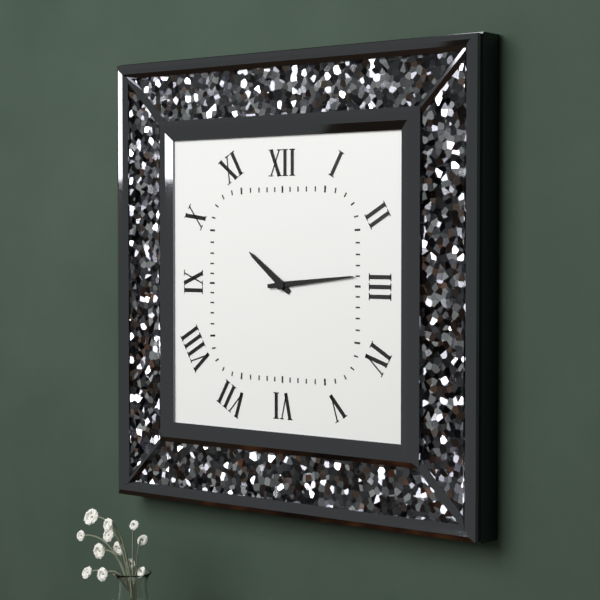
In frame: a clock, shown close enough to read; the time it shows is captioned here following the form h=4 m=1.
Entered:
h=10 m=14
